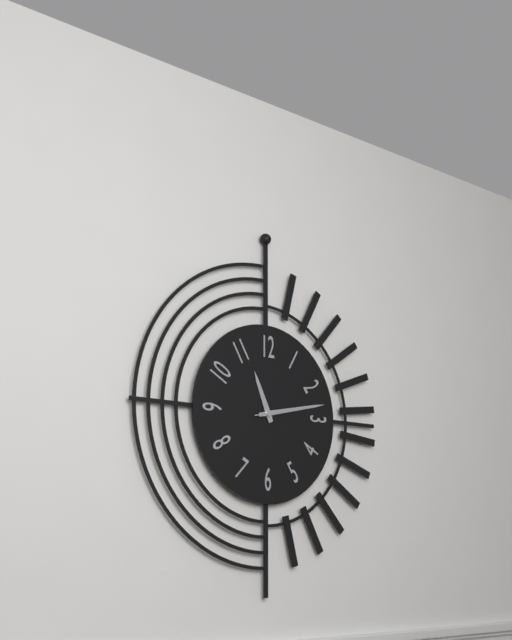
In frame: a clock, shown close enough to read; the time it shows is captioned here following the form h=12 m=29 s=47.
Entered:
h=11 m=13 s=13
